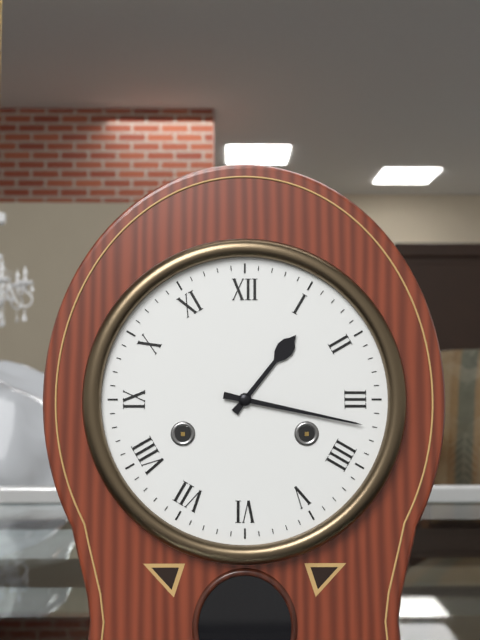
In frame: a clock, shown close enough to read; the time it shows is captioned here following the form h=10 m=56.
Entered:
h=1 m=17
